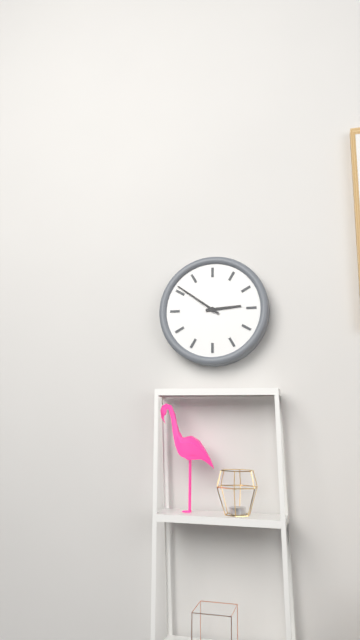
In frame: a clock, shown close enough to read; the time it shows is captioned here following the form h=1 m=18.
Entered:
h=2 m=51
